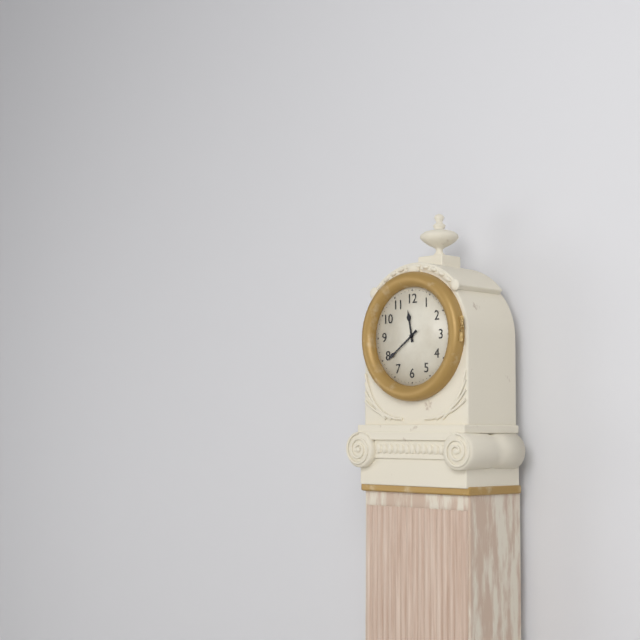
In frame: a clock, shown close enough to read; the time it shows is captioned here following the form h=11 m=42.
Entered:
h=11 m=39
